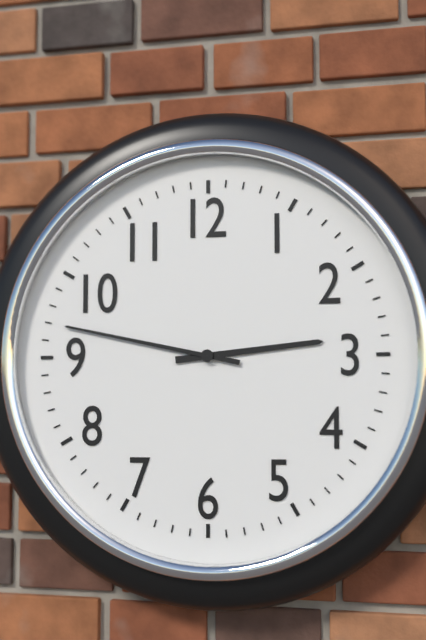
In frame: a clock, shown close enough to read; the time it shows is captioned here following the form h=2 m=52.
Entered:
h=2 m=47
